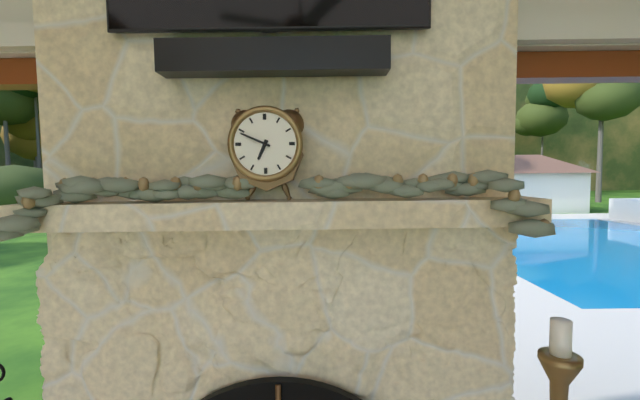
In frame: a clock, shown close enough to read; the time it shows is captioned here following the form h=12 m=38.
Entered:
h=6 m=49
